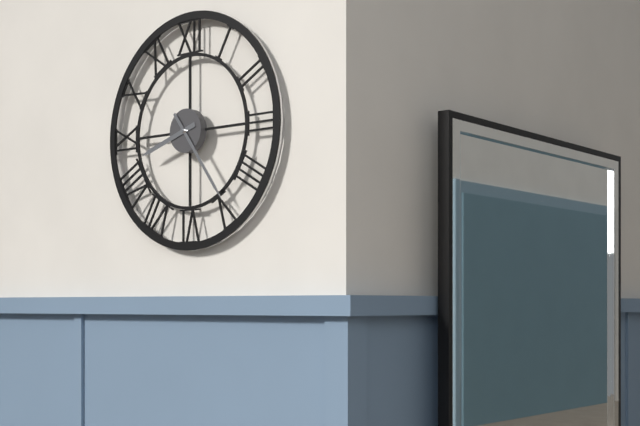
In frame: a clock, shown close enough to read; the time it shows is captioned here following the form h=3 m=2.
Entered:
h=8 m=24
